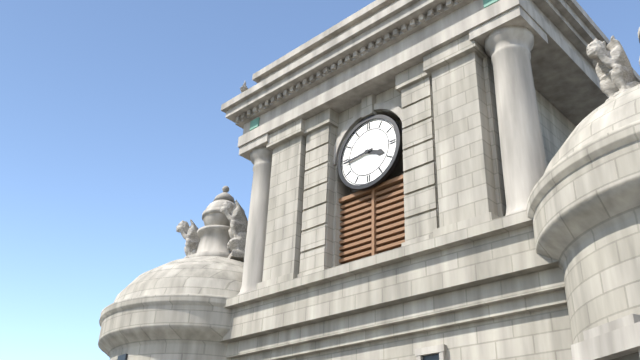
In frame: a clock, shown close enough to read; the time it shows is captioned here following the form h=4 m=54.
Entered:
h=3 m=44
